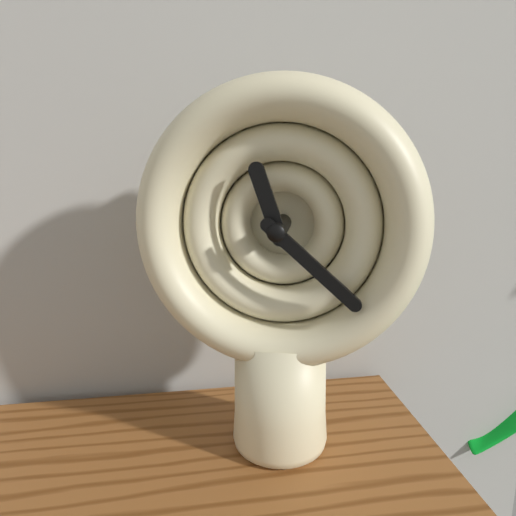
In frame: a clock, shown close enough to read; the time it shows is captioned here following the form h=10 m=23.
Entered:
h=11 m=22
